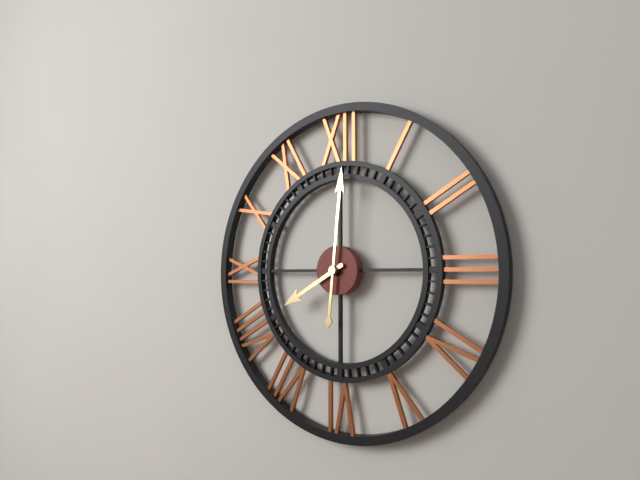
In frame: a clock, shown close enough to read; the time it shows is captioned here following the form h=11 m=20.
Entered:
h=8 m=1
